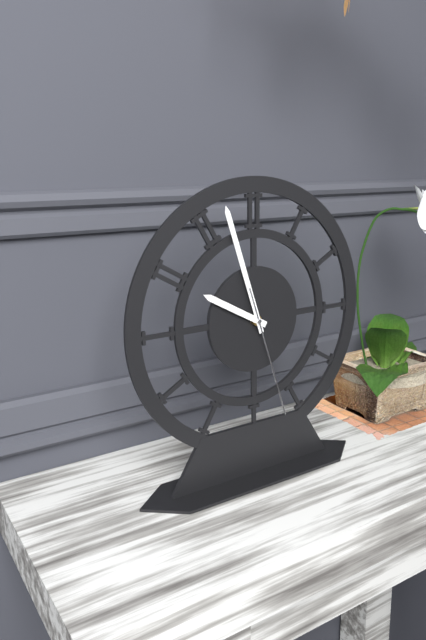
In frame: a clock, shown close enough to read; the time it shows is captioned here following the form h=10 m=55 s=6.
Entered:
h=9 m=57 s=27
